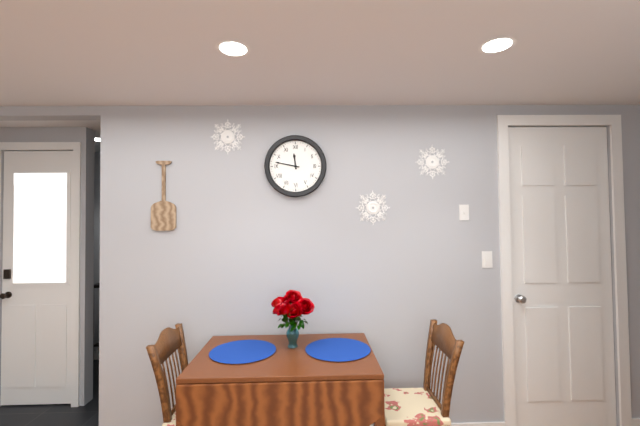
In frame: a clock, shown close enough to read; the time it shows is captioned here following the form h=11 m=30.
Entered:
h=11 m=47
